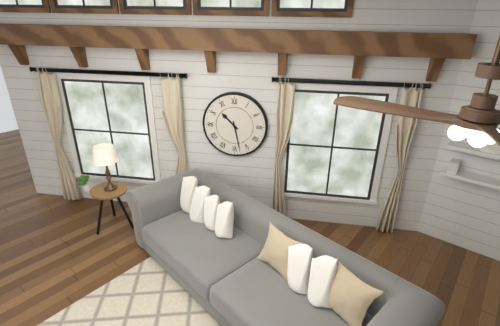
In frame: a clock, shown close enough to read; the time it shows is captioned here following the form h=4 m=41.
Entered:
h=10 m=28
